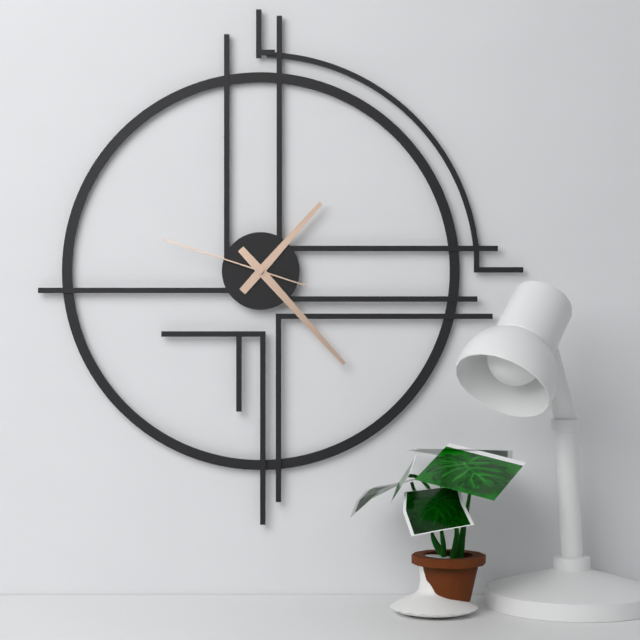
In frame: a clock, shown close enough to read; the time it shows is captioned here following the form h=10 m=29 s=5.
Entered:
h=1 m=23 s=48
